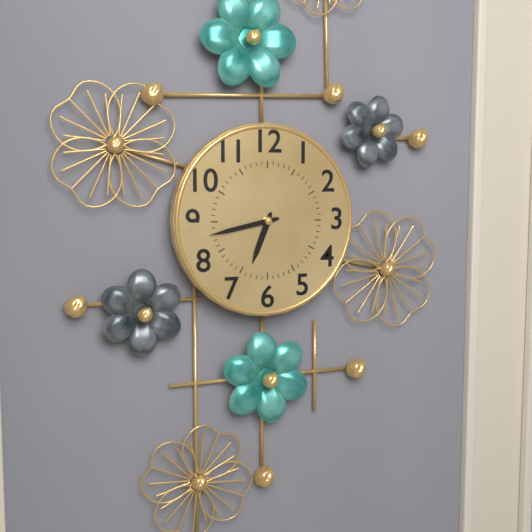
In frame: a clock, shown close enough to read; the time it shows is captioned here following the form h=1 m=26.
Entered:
h=6 m=43
